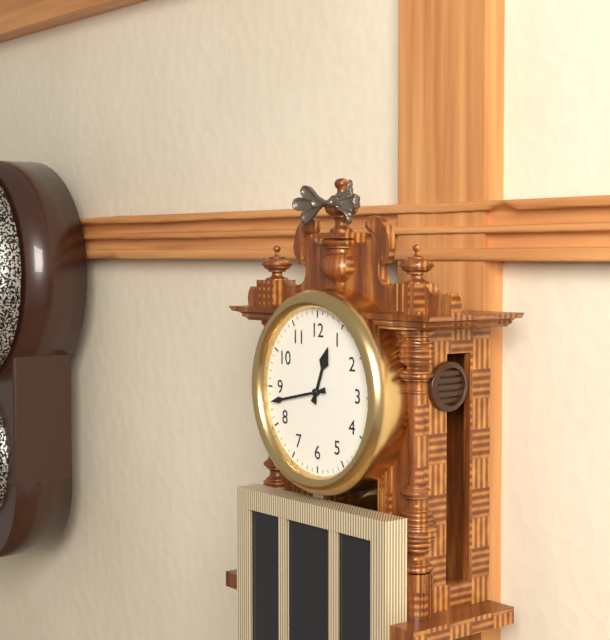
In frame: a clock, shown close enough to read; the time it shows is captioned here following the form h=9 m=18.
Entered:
h=12 m=43
